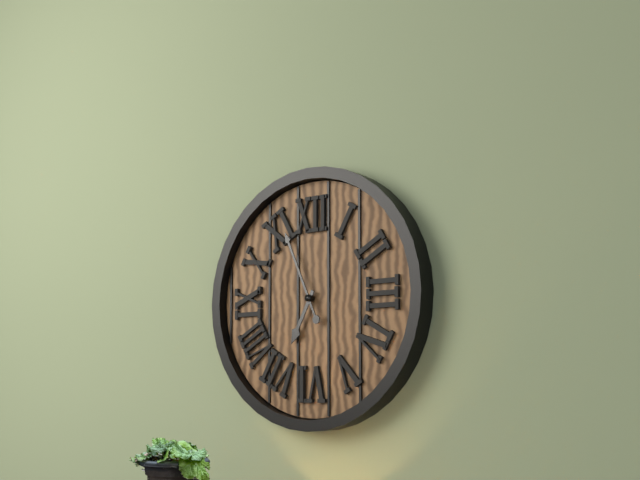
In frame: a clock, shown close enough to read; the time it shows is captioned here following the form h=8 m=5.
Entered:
h=6 m=56
